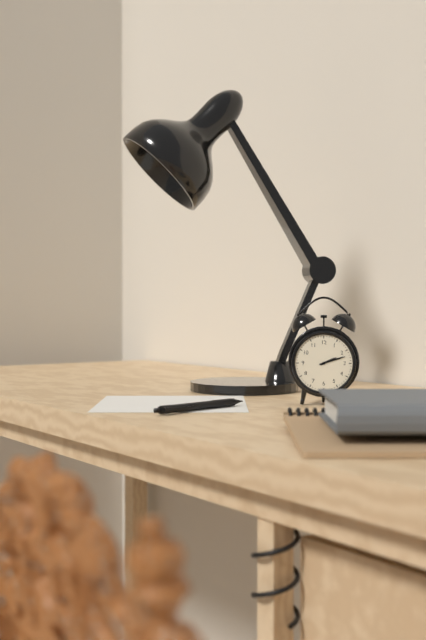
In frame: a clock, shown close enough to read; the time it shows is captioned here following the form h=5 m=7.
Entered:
h=2 m=12
